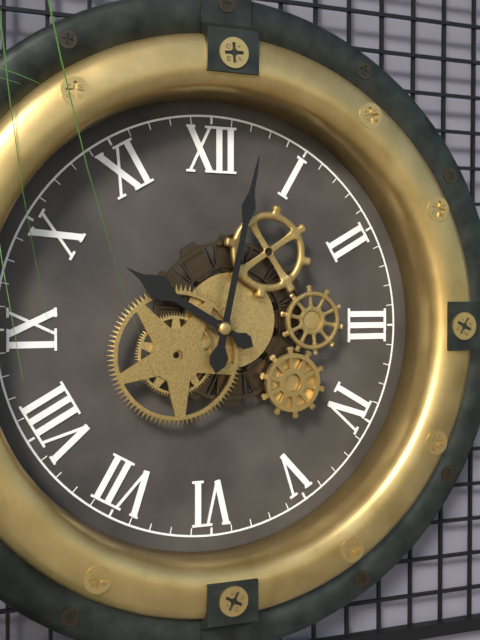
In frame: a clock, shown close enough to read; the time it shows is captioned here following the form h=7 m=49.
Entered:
h=10 m=2
